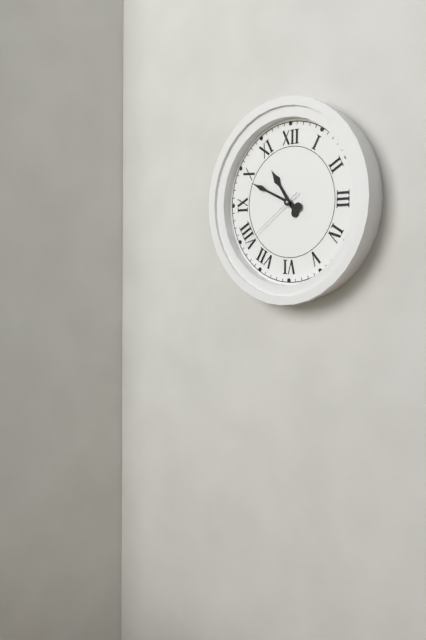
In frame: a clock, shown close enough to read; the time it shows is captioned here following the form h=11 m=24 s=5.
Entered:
h=10 m=49 s=39
